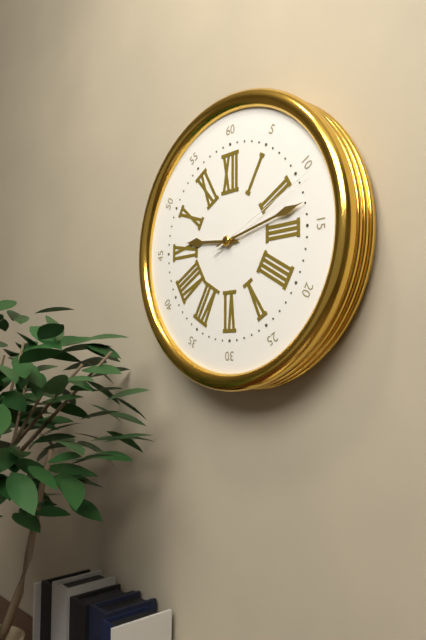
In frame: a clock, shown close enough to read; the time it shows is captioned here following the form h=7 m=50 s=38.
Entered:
h=9 m=13 s=11
